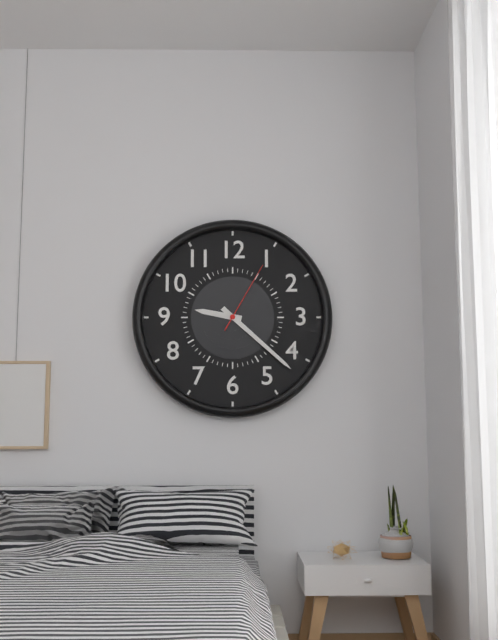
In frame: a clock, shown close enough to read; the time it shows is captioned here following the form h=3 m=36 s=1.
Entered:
h=9 m=22 s=5
